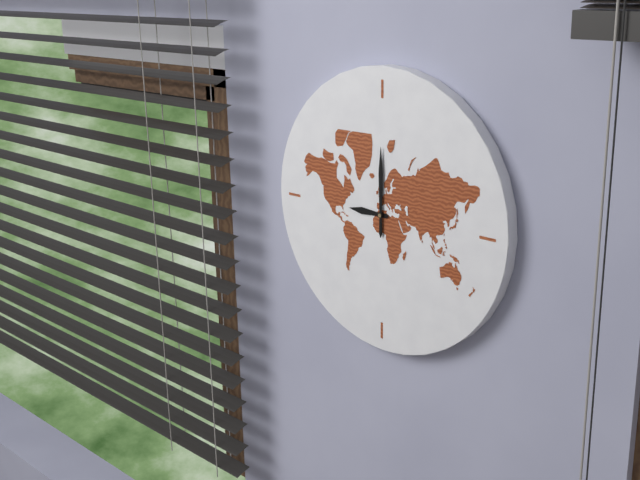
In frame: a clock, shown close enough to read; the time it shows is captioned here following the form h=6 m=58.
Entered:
h=9 m=0
